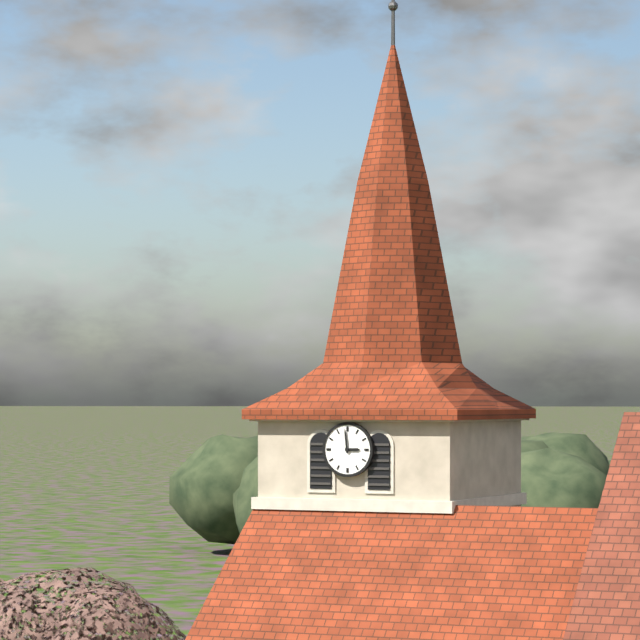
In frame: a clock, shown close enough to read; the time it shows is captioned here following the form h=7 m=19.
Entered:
h=2 m=59
